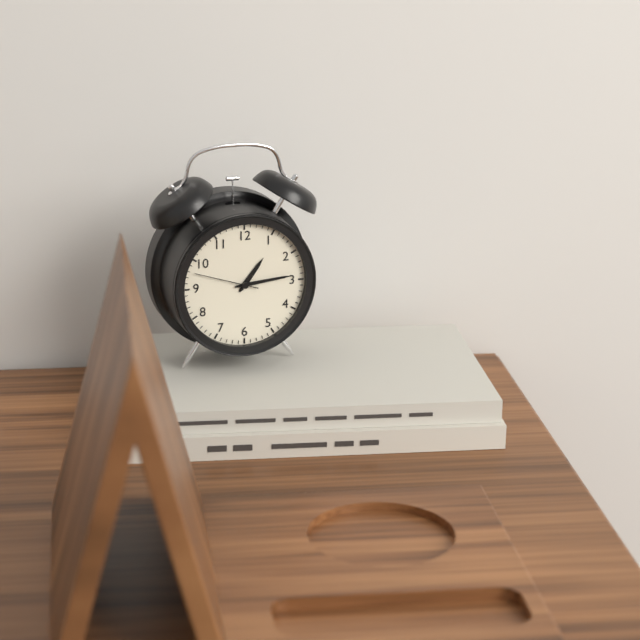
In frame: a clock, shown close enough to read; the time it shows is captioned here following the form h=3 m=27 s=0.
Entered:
h=1 m=14 s=48
